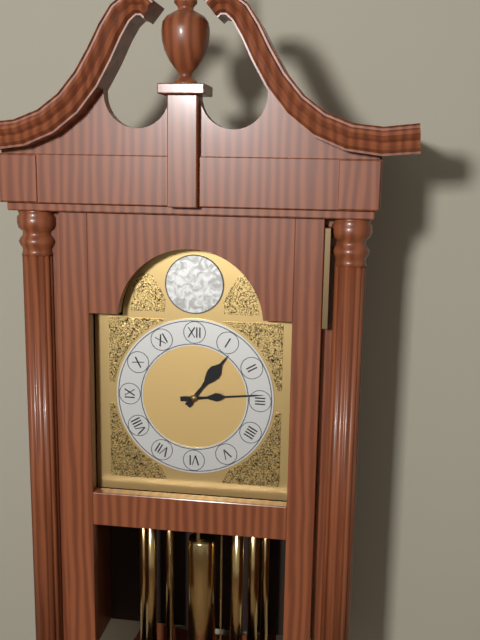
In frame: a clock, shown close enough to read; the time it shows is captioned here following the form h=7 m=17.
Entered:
h=1 m=14
